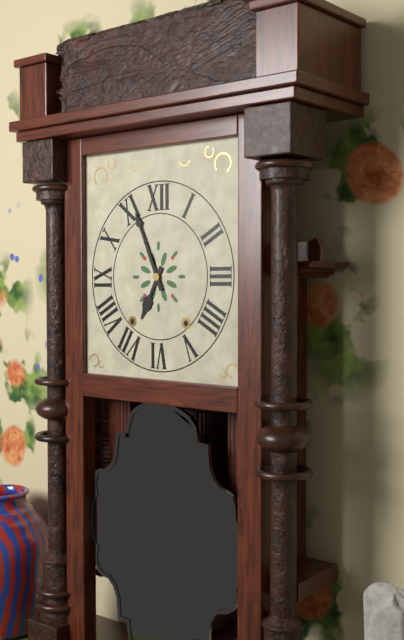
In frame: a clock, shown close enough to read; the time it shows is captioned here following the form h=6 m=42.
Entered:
h=6 m=56
